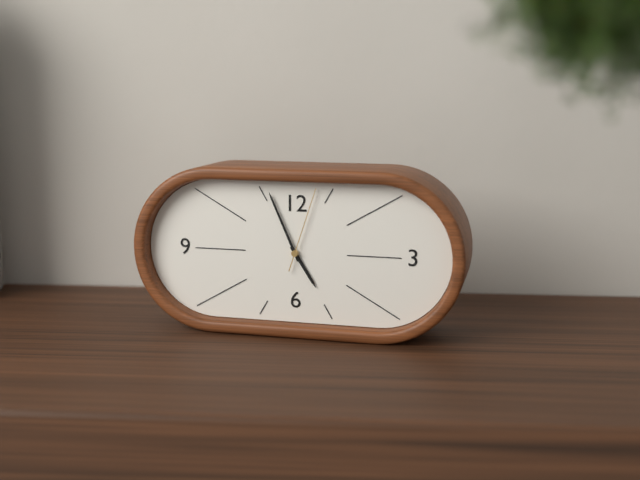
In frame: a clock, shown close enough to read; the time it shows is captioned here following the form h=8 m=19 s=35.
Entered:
h=4 m=56 s=3
